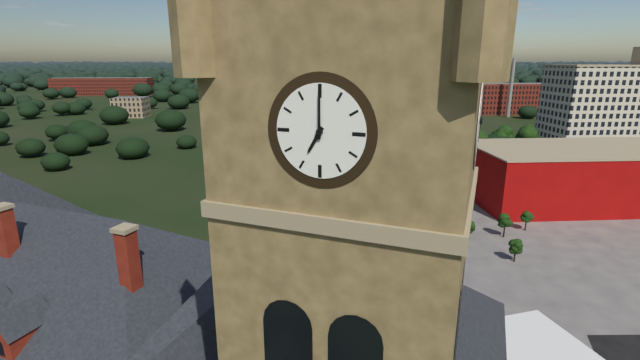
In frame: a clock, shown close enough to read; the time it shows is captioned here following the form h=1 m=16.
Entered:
h=7 m=0
